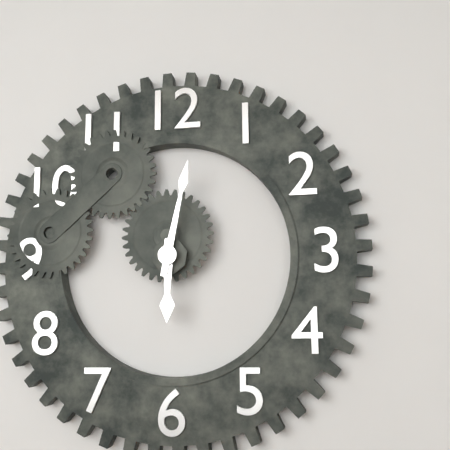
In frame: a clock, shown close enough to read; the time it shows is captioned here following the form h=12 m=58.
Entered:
h=6 m=2
